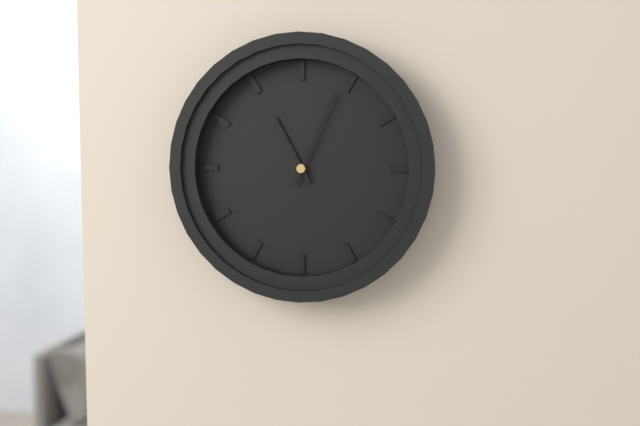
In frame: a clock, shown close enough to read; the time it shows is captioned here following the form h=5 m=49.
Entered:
h=11 m=4
